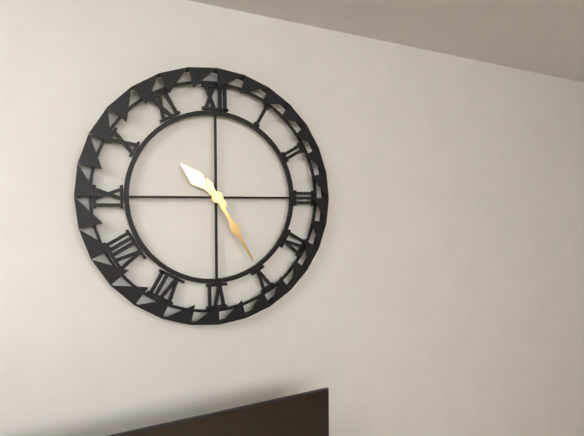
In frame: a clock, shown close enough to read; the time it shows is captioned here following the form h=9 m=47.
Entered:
h=10 m=25
